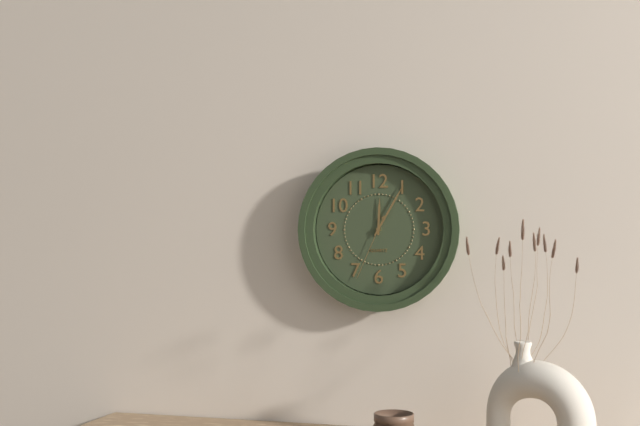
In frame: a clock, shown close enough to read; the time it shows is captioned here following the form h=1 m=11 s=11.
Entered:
h=12 m=5 s=34
